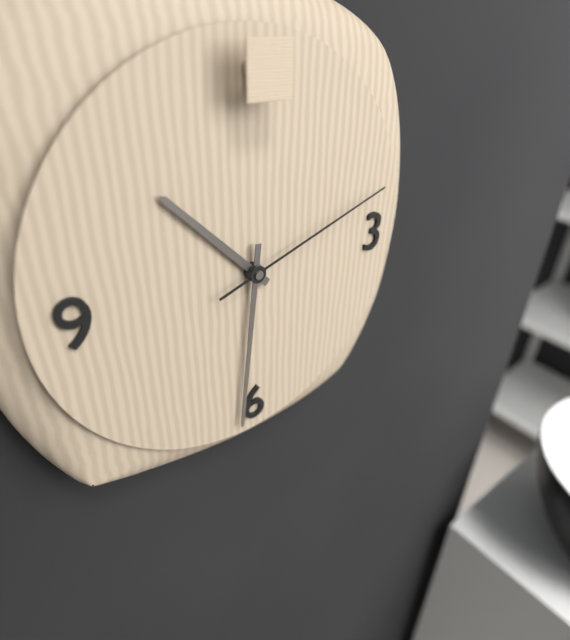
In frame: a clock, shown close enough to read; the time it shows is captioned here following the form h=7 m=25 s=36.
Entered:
h=10 m=31 s=12
